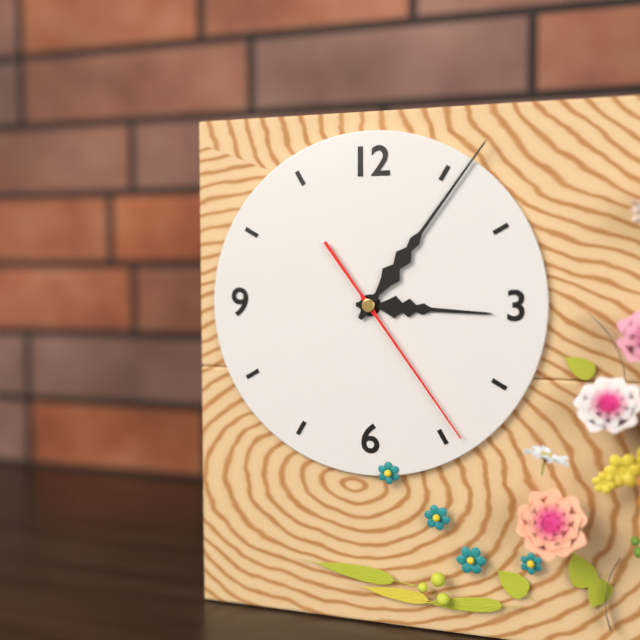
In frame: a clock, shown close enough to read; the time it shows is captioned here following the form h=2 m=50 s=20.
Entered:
h=3 m=6 s=24
